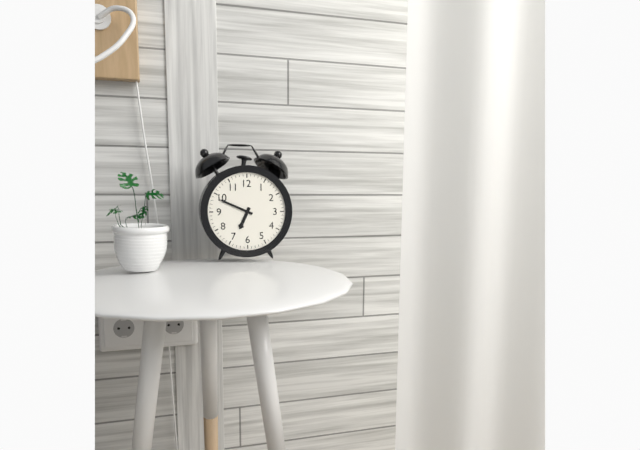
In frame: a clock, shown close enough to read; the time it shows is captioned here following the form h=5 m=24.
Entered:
h=6 m=49
